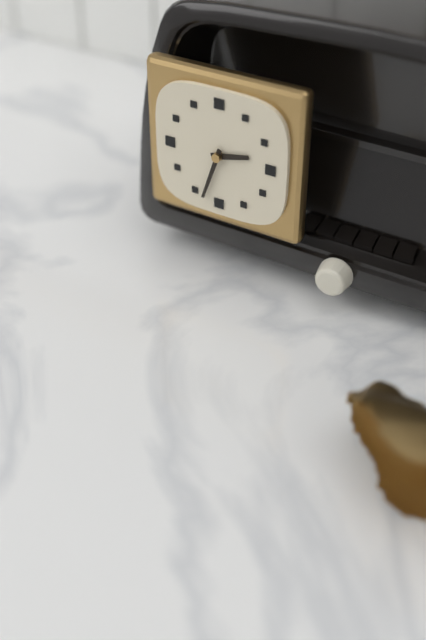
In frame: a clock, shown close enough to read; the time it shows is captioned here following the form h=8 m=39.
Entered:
h=2 m=33
